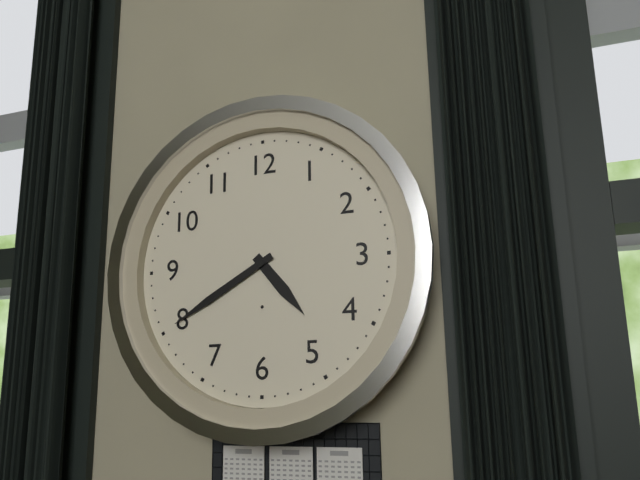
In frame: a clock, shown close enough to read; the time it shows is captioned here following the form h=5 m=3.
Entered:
h=4 m=40
